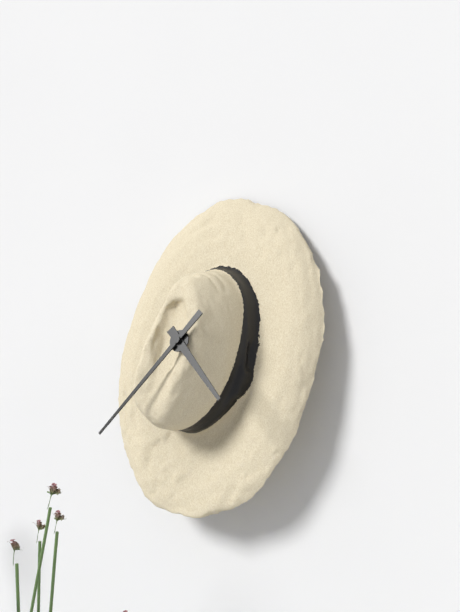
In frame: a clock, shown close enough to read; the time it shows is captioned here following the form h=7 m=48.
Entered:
h=4 m=37
